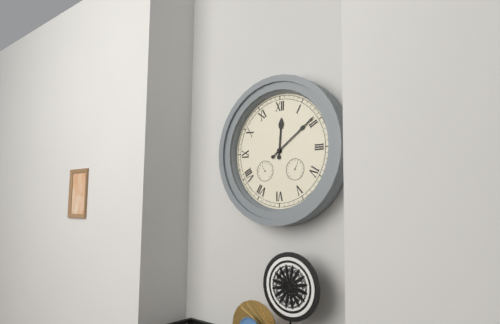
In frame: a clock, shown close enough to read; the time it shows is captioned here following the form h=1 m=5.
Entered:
h=12 m=9
